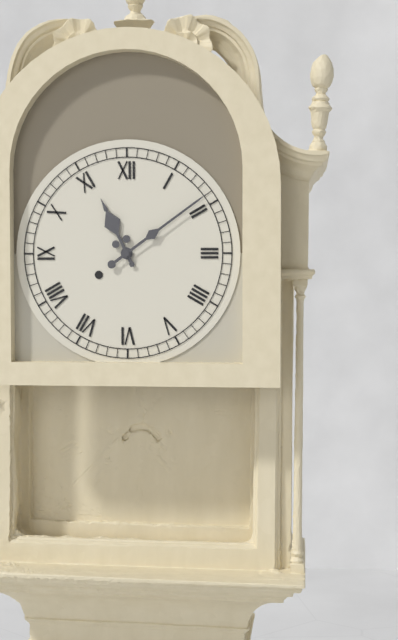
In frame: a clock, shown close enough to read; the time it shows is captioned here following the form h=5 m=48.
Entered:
h=11 m=9
